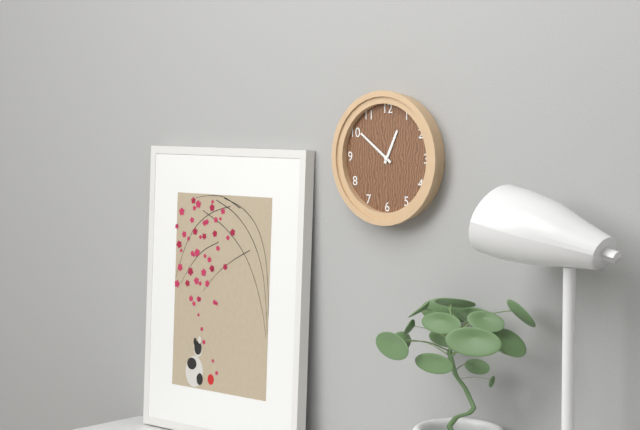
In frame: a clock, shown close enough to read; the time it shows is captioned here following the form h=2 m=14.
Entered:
h=12 m=51
